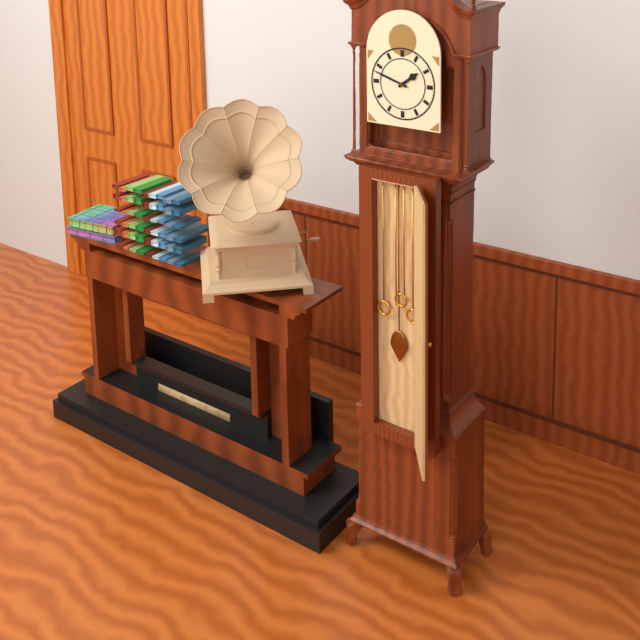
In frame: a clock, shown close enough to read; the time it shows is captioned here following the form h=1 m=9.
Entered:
h=1 m=48
